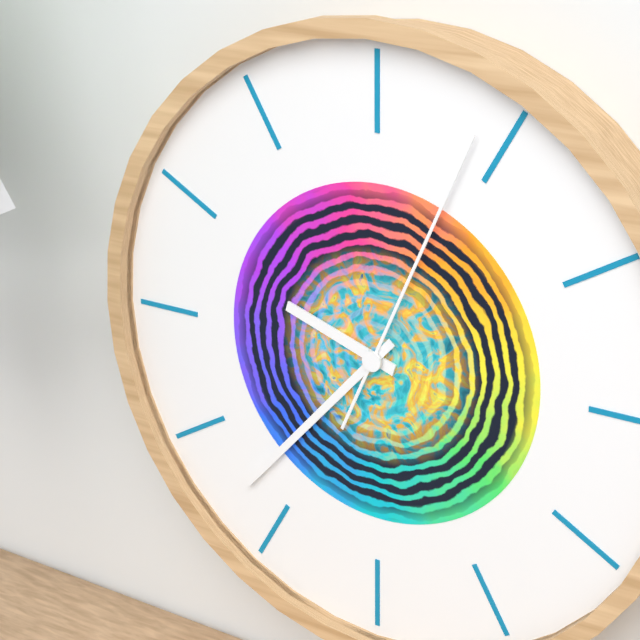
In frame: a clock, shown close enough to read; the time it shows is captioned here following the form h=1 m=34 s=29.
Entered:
h=9 m=37 s=4
